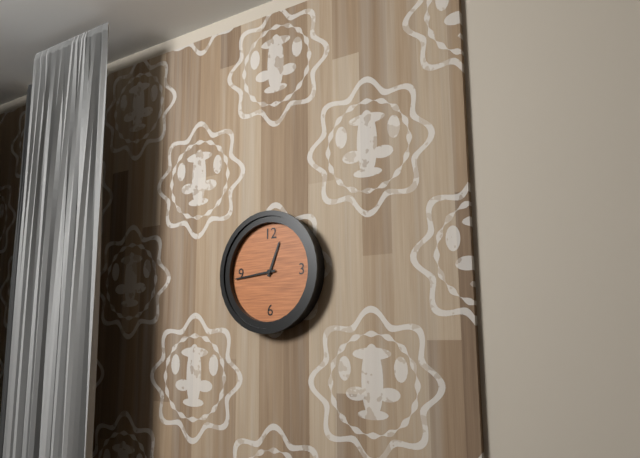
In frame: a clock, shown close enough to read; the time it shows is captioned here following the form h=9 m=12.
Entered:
h=12 m=44
